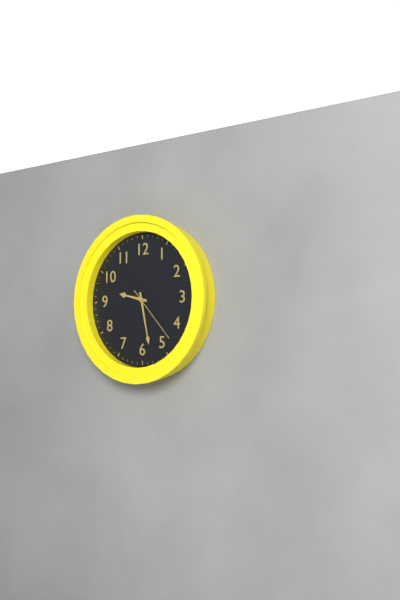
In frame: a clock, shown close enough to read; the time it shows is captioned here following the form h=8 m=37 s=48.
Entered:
h=9 m=28 s=23
